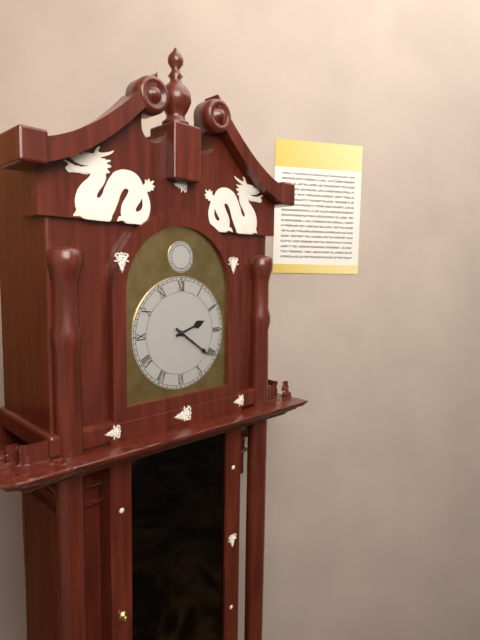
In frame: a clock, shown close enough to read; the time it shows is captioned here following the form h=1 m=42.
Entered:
h=2 m=21
